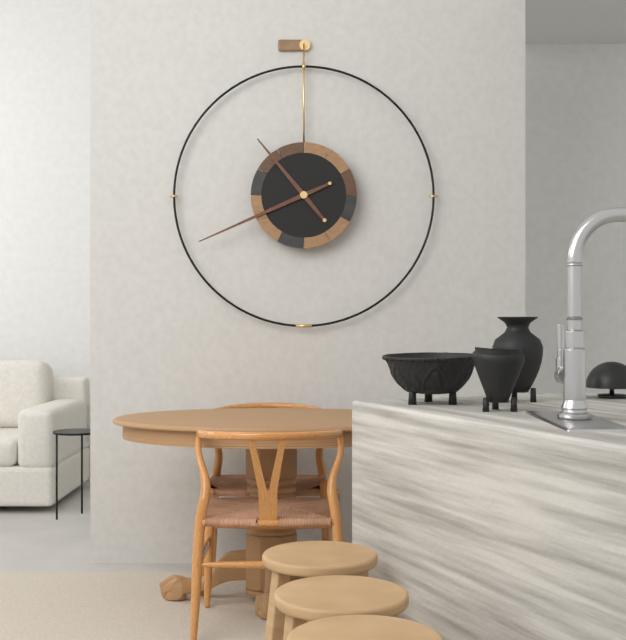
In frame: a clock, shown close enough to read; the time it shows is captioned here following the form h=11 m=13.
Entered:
h=10 m=41
